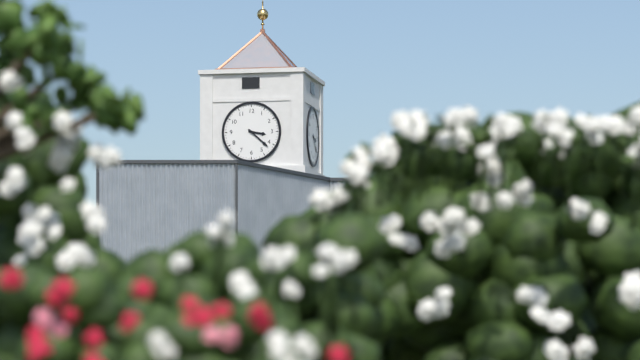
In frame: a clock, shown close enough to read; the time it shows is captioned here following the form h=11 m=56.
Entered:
h=3 m=22
